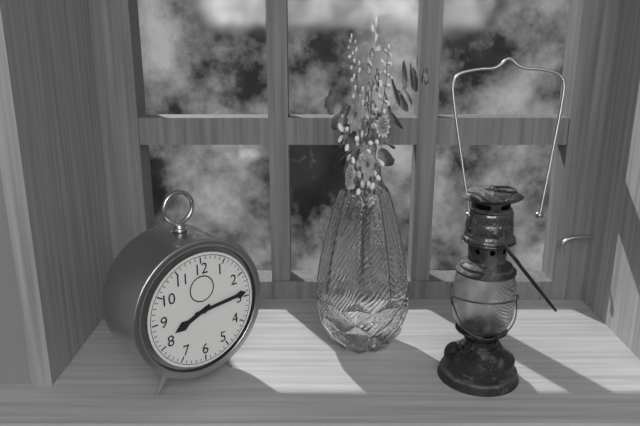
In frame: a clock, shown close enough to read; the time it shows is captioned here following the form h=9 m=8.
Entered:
h=8 m=14
